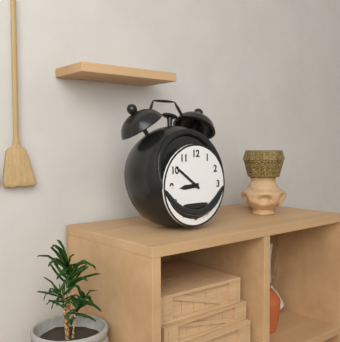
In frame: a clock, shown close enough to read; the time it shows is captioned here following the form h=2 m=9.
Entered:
h=8 m=51
